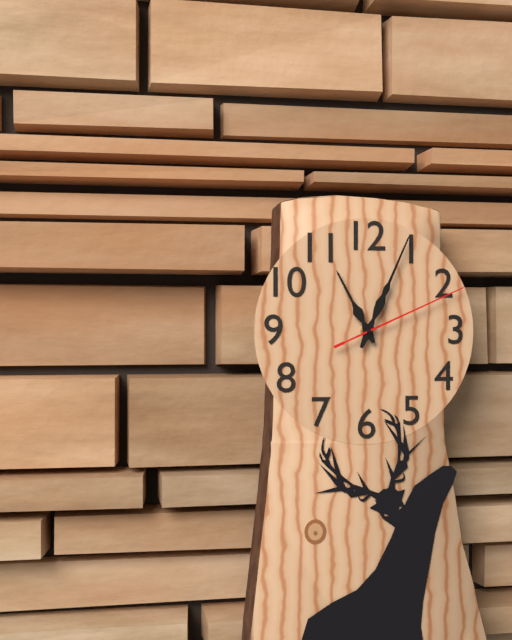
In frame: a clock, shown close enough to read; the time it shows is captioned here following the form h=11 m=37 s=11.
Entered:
h=11 m=4 s=11
